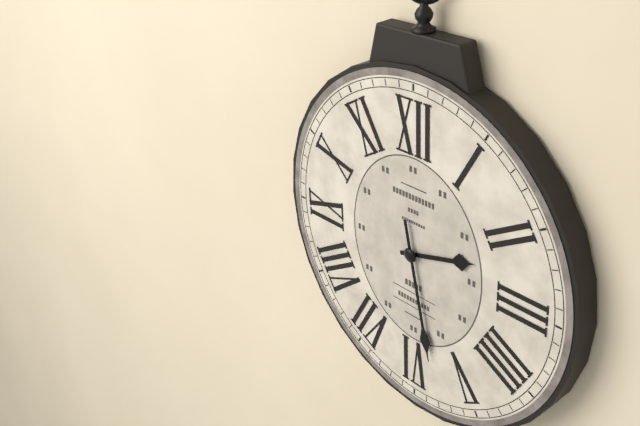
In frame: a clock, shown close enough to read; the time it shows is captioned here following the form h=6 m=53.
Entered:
h=2 m=28
